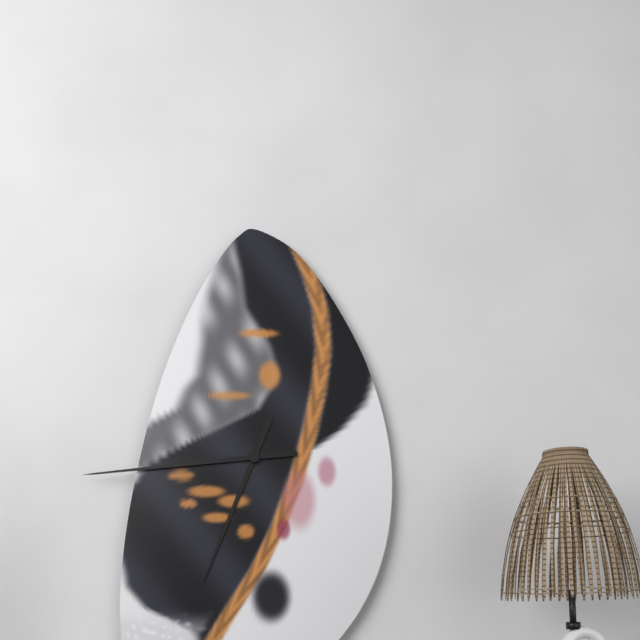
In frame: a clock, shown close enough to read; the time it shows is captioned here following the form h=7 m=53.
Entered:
h=6 m=44
